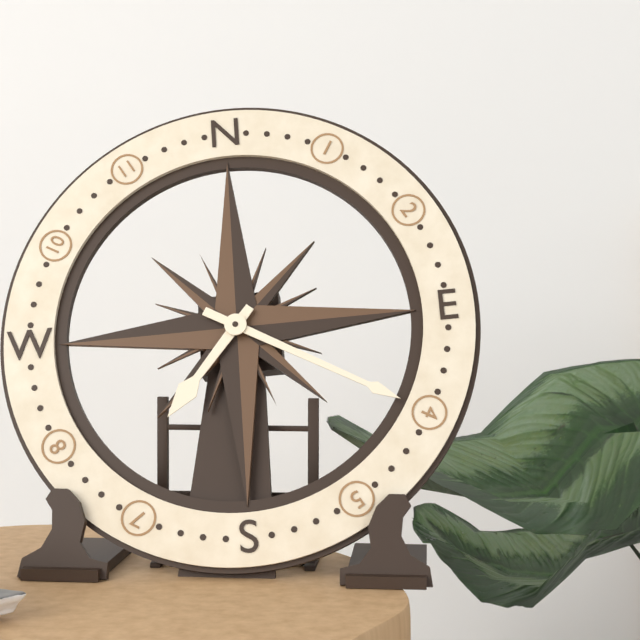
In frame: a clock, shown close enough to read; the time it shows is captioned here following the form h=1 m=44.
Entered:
h=7 m=20
